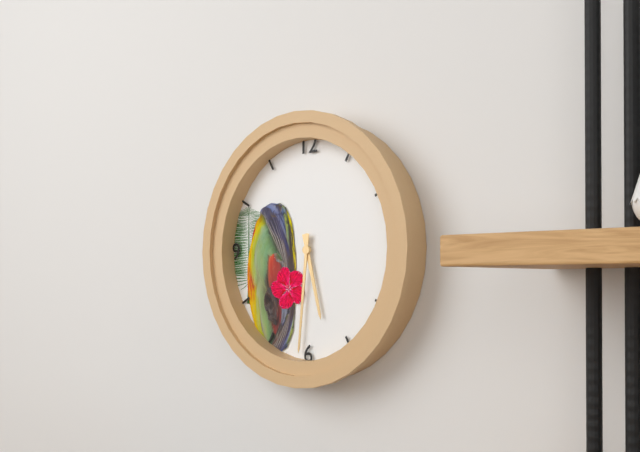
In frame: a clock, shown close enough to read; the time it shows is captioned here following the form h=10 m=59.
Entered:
h=5 m=31
